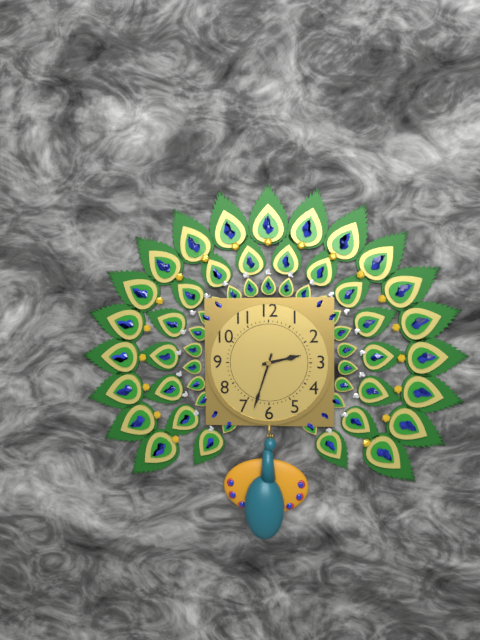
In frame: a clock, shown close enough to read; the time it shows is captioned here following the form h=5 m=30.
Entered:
h=2 m=33
